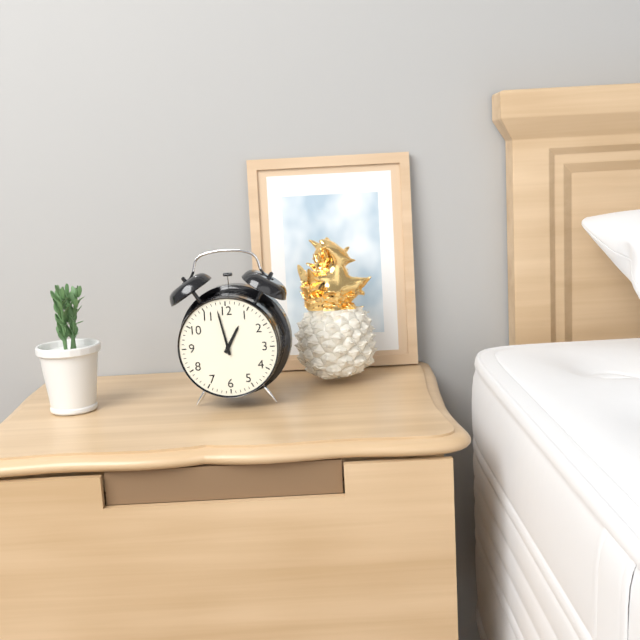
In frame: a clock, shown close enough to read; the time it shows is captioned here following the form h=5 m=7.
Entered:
h=12 m=58
